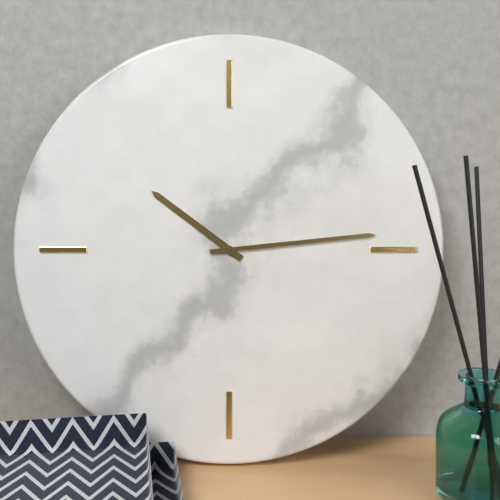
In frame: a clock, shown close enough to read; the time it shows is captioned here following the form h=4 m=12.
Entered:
h=10 m=14
